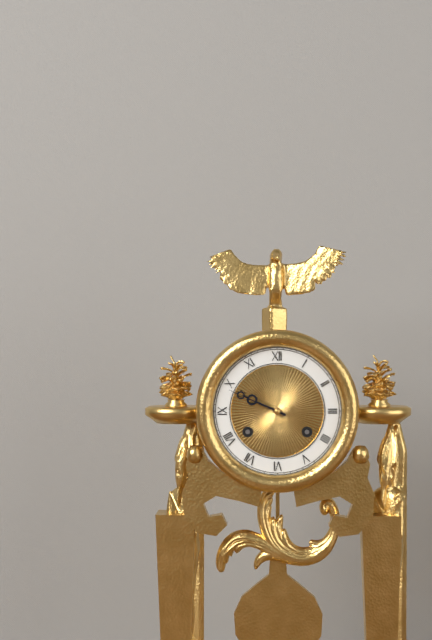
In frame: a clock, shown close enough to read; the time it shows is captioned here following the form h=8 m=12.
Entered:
h=9 m=49
